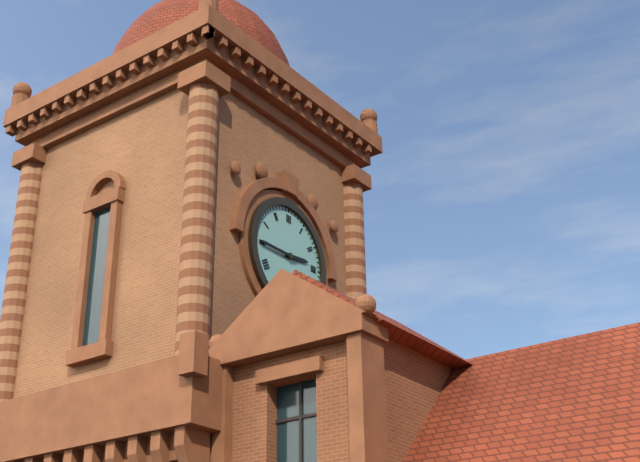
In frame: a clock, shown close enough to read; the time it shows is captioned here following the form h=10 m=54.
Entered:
h=2 m=45
